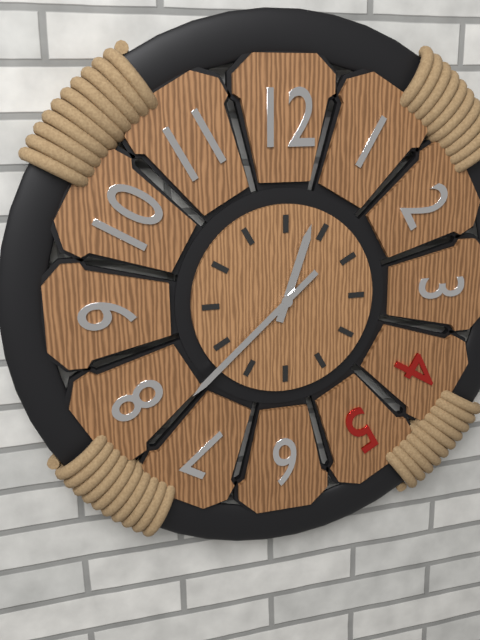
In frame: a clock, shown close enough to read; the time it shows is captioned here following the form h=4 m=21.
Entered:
h=12 m=38
